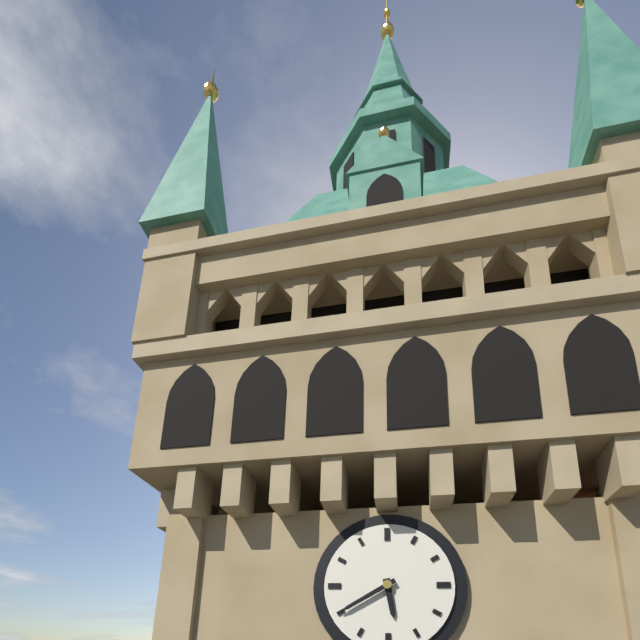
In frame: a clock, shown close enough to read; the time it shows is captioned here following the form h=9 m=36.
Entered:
h=5 m=40
